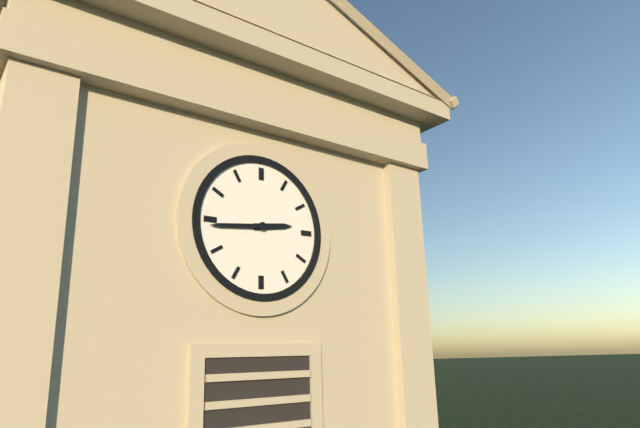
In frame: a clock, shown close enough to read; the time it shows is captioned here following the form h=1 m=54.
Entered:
h=2 m=44
